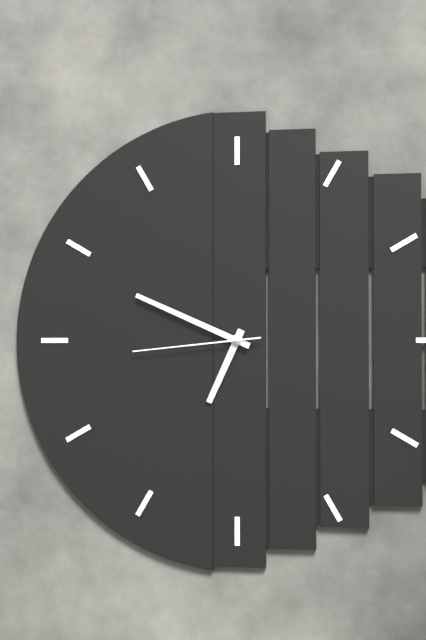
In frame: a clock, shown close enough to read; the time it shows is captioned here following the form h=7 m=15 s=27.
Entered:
h=6 m=49 s=44
